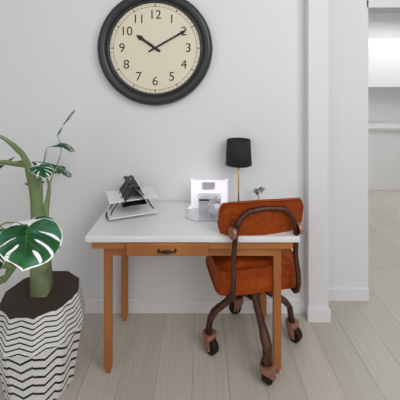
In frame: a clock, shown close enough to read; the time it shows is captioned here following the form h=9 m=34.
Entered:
h=10 m=10
